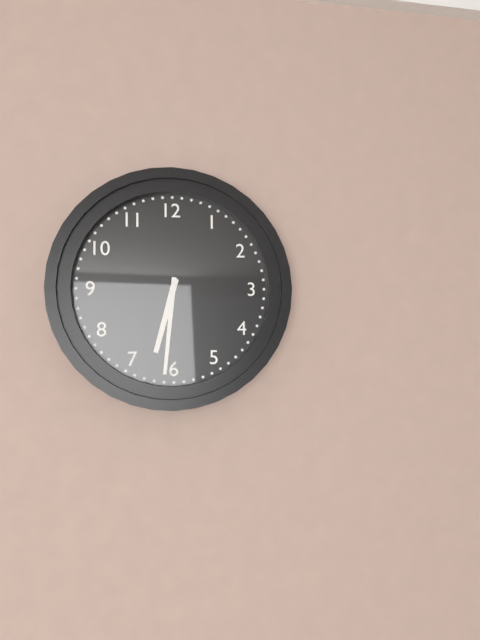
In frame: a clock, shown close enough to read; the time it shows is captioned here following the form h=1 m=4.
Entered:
h=6 m=31
